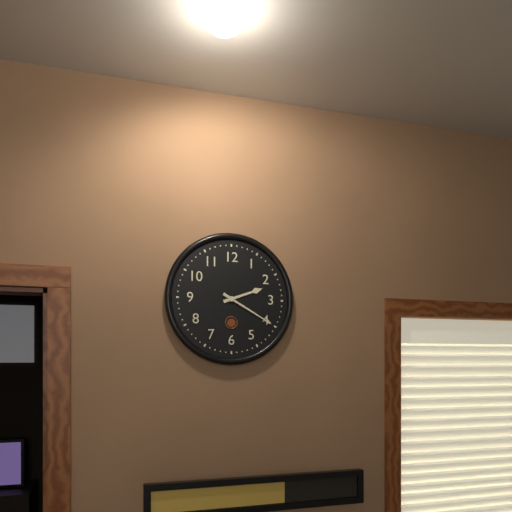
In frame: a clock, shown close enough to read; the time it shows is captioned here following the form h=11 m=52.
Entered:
h=2 m=20
